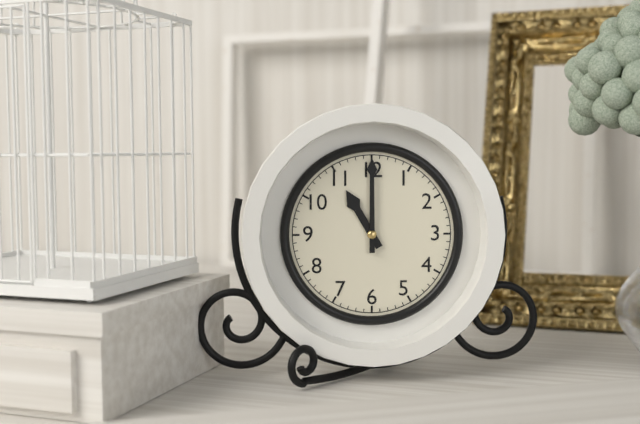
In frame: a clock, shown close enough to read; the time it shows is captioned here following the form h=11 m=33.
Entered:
h=11 m=0
